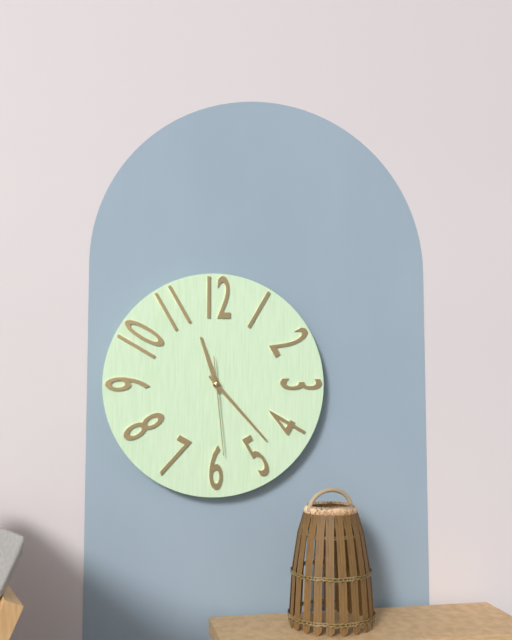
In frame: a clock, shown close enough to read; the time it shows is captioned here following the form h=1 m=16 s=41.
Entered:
h=11 m=23 s=29
